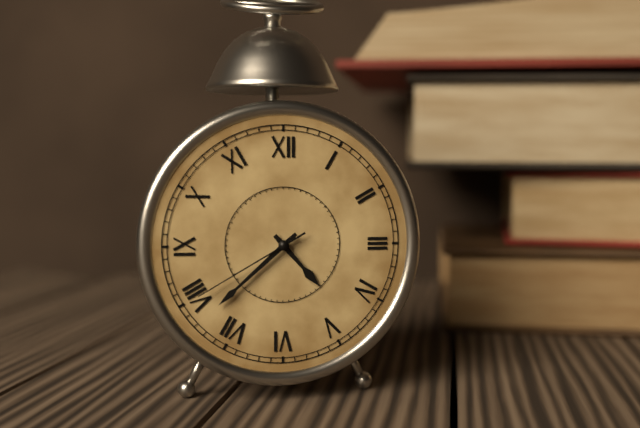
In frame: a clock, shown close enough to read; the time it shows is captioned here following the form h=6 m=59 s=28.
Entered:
h=4 m=38 s=40
